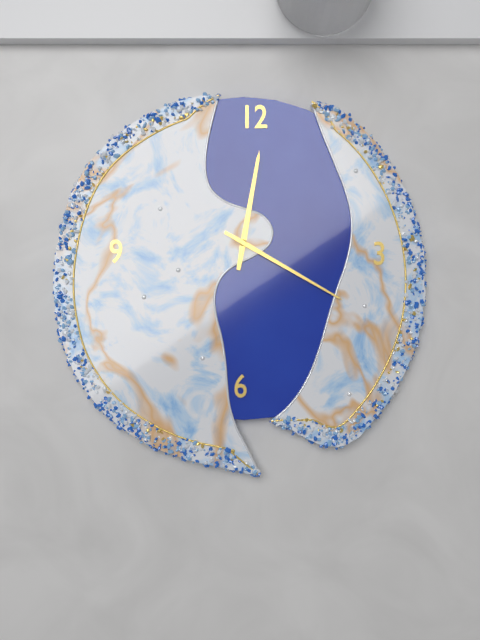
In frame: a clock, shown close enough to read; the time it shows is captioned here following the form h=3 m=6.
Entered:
h=12 m=20
